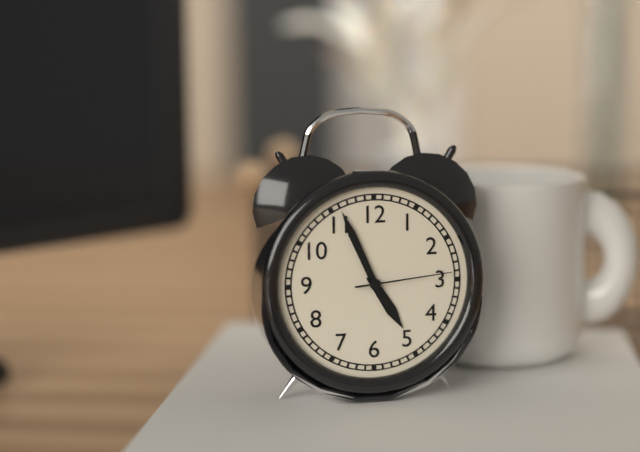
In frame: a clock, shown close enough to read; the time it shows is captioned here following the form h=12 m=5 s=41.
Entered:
h=4 m=56 s=14
